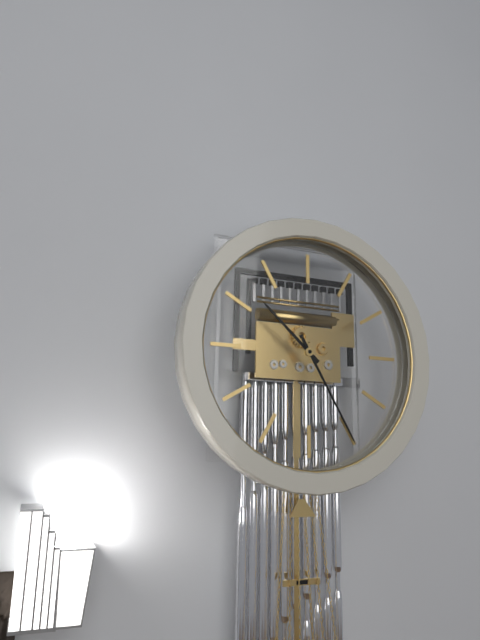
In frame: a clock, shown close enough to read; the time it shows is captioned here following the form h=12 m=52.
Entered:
h=10 m=25
